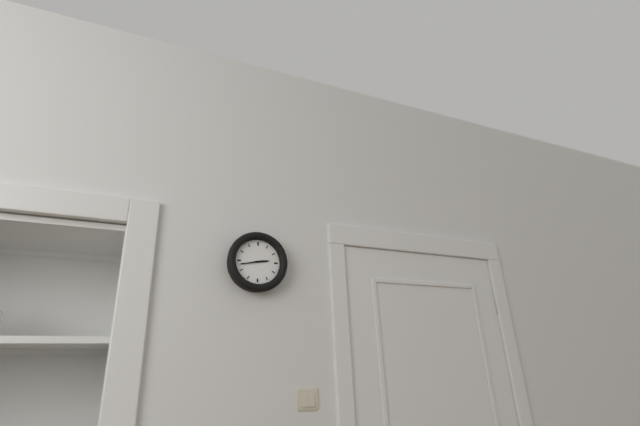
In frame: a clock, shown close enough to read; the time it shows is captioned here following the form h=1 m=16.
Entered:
h=2 m=43
